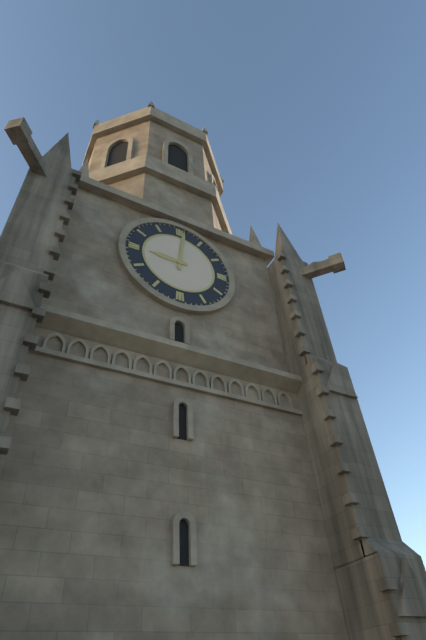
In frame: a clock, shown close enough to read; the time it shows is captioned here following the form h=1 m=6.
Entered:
h=9 m=1
